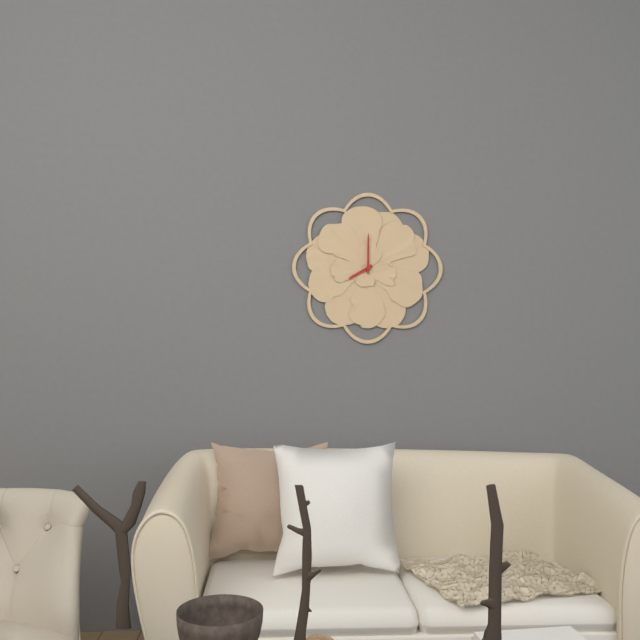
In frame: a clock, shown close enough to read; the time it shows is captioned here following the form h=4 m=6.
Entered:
h=8 m=0
